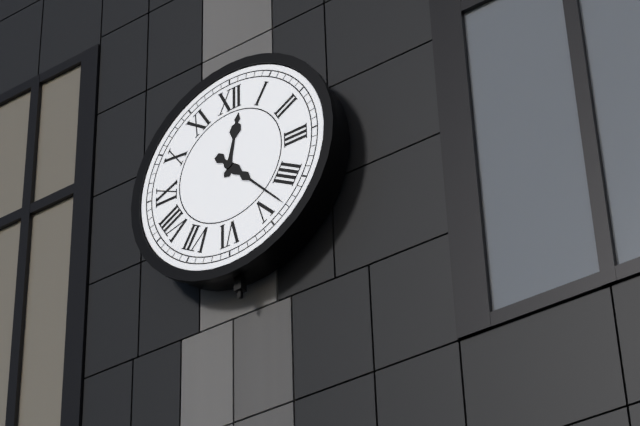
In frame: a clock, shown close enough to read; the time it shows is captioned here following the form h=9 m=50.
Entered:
h=12 m=23
